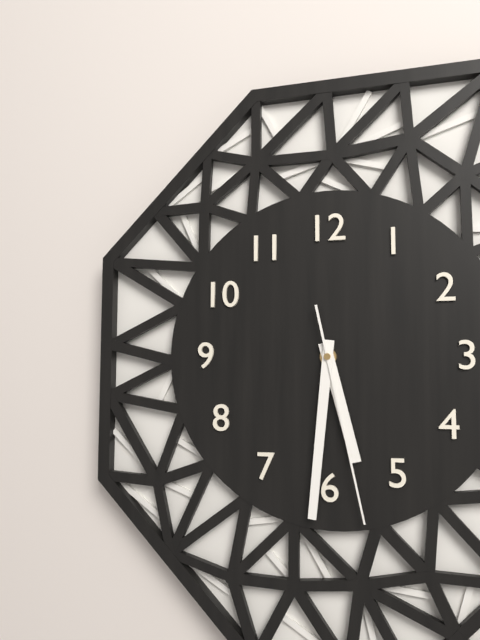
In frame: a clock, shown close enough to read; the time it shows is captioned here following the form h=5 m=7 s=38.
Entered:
h=5 m=31 s=28
